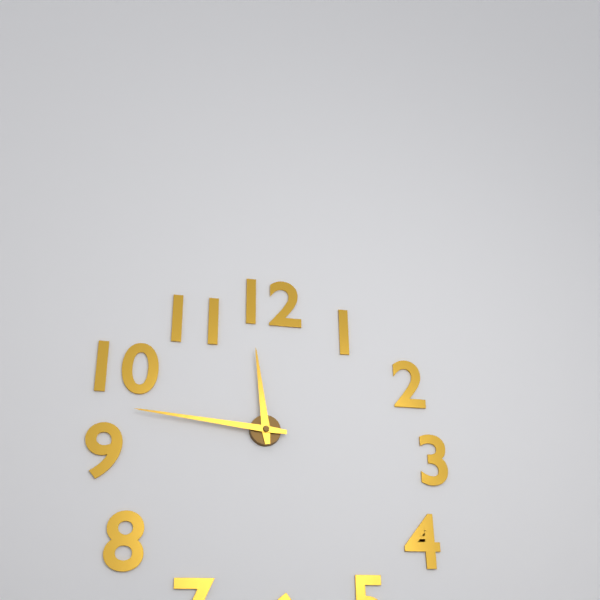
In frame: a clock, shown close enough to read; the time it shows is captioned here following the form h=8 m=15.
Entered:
h=11 m=46
